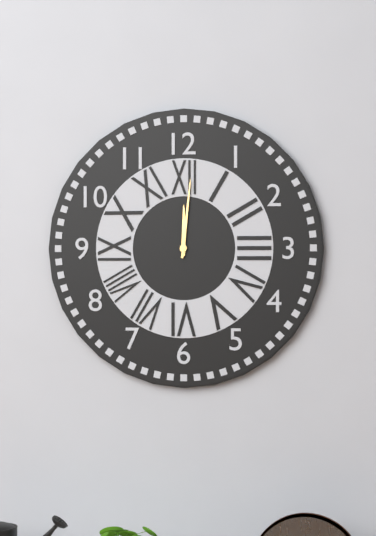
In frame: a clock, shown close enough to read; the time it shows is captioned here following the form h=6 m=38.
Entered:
h=12 m=1
